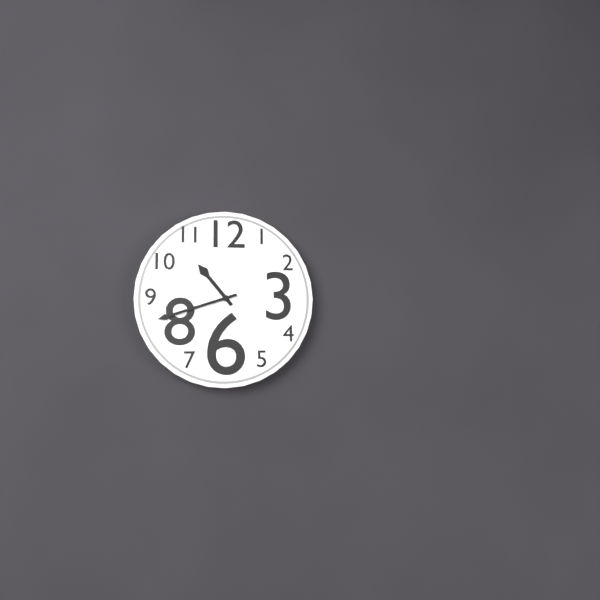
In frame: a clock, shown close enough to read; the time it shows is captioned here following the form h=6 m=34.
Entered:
h=10 m=42
